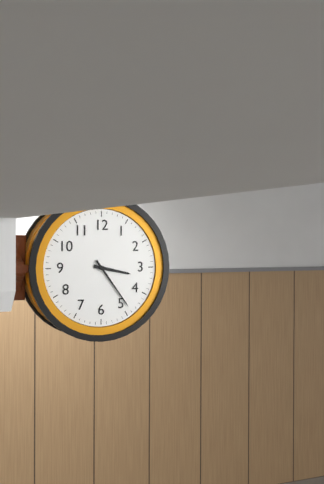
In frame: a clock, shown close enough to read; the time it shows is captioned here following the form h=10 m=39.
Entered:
h=3 m=24
